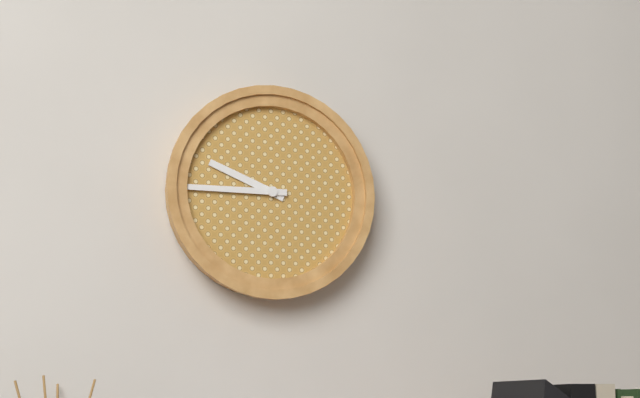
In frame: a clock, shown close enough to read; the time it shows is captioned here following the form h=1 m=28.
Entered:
h=9 m=45
